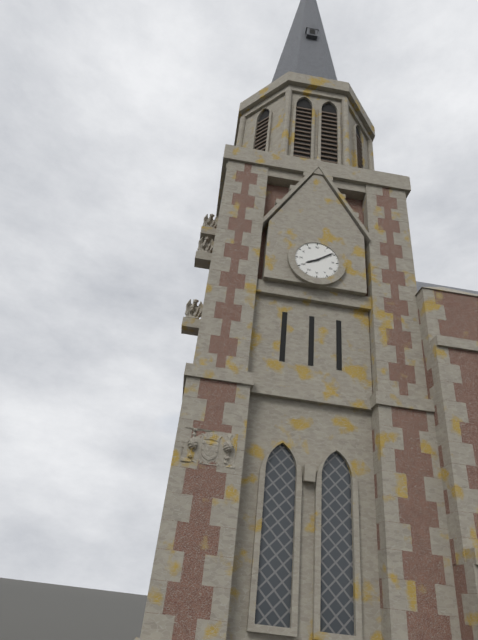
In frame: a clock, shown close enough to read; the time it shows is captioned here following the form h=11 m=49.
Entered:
h=8 m=9
